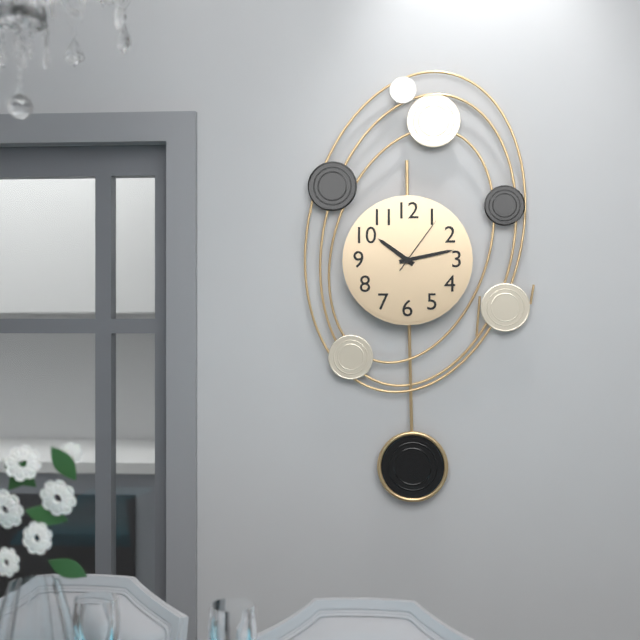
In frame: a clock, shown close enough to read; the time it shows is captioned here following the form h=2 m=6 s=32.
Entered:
h=10 m=13 s=6
